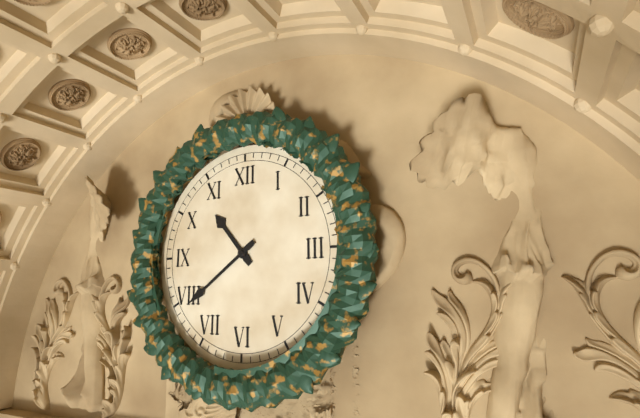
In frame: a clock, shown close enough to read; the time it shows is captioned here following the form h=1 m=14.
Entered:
h=10 m=39
